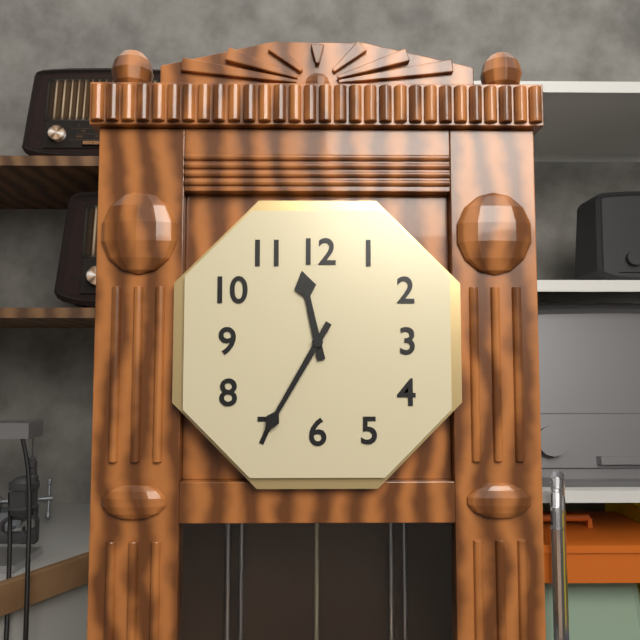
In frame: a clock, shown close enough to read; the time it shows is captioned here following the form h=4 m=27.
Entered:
h=11 m=35
